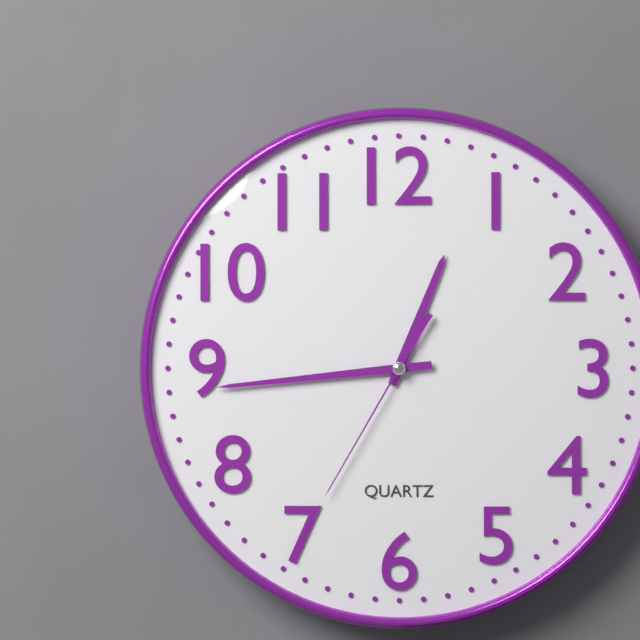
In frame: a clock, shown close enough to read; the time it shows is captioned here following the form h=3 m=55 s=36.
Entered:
h=12 m=44 s=35
